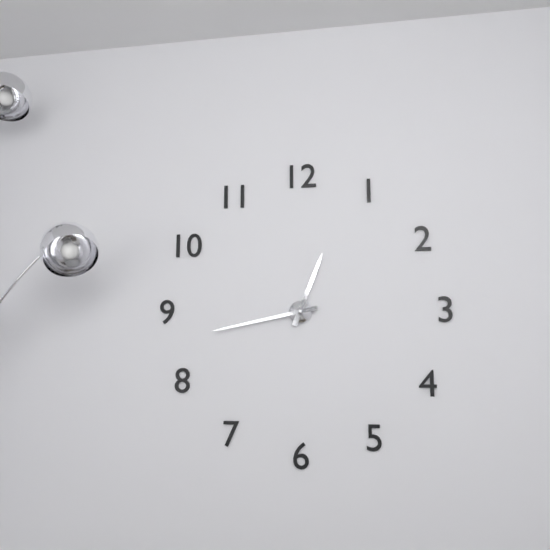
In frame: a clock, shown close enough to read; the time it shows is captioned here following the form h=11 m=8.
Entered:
h=12 m=43
